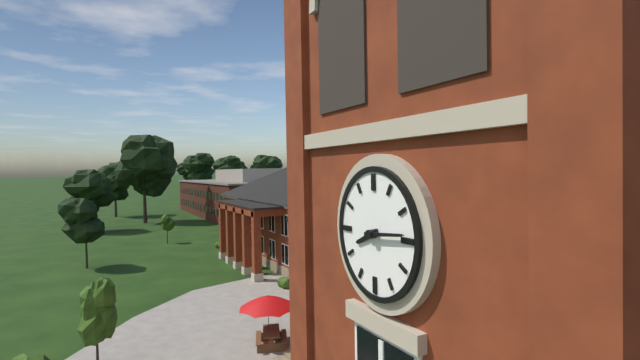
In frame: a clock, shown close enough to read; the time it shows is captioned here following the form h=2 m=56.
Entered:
h=8 m=14
